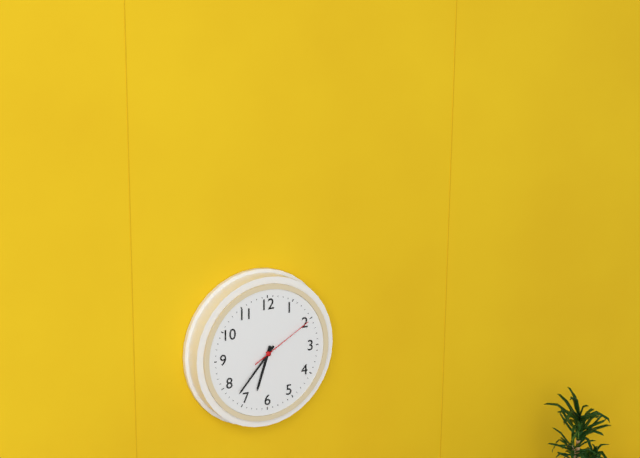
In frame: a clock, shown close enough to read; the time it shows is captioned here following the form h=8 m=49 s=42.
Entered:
h=6 m=37 s=10
